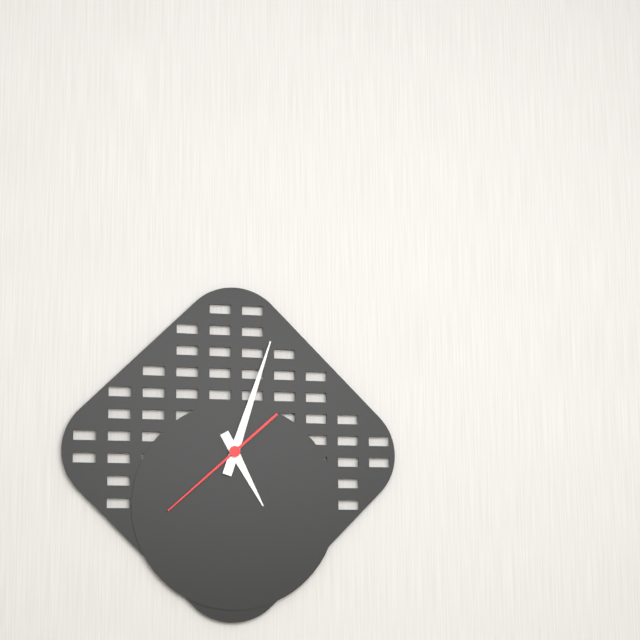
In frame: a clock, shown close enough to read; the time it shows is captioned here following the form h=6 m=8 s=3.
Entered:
h=5 m=3 s=38
